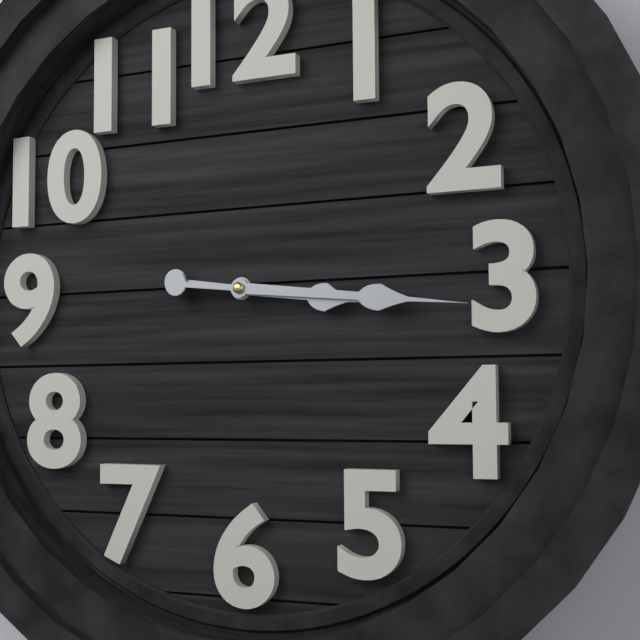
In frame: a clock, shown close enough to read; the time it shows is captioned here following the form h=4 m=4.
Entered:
h=3 m=16
